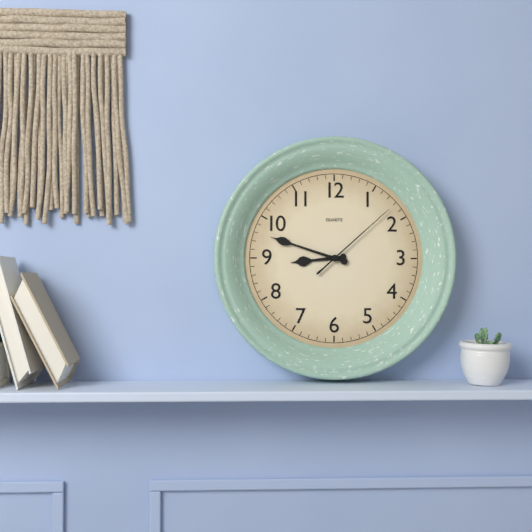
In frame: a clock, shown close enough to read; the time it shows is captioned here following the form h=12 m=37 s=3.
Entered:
h=8 m=48 s=8
